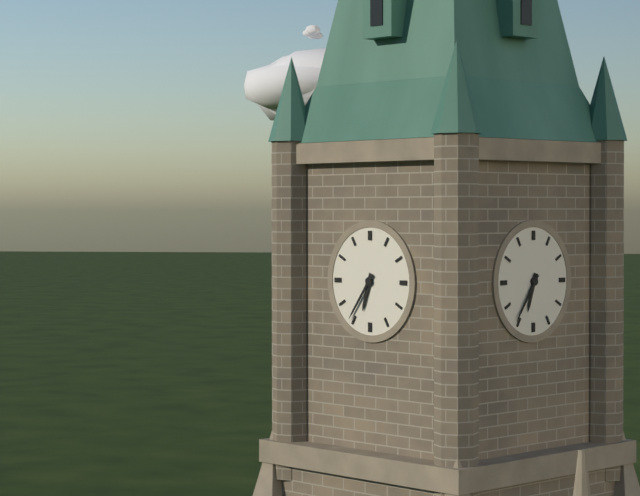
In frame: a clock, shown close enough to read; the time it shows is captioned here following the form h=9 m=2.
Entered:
h=6 m=36
